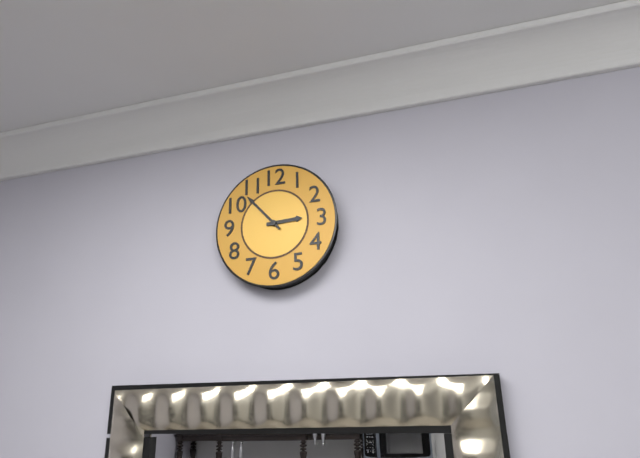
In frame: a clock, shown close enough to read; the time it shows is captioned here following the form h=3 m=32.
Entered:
h=2 m=53
